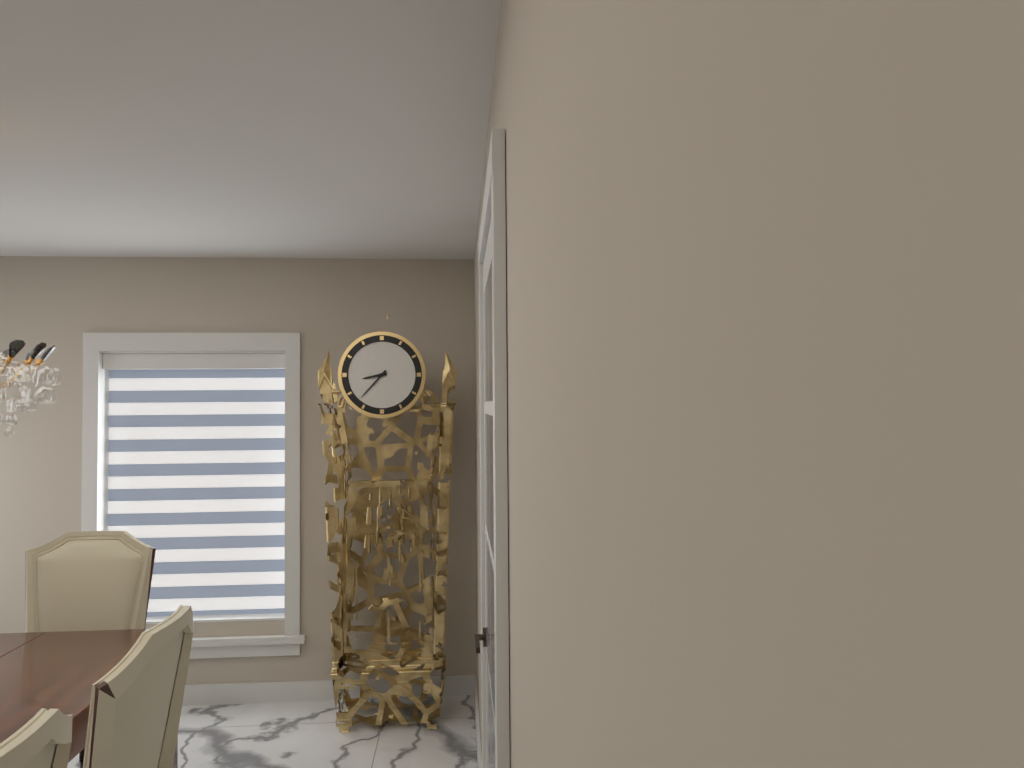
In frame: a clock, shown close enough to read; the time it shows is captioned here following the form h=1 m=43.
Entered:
h=8 m=37
